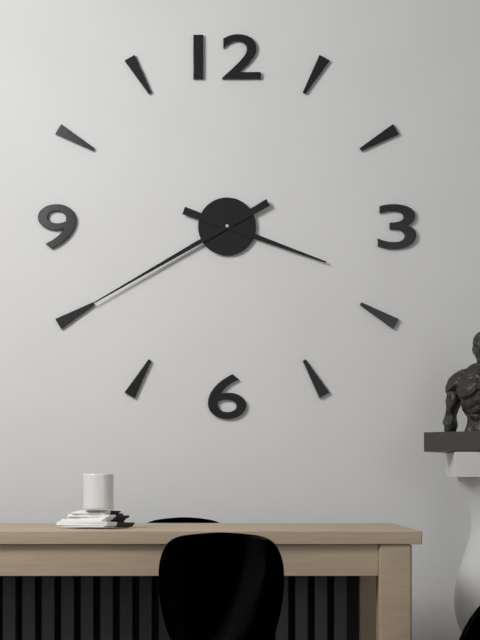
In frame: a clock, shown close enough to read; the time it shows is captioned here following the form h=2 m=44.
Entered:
h=3 m=40
